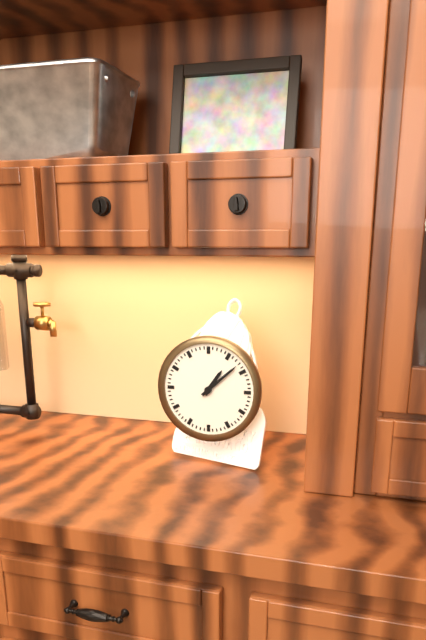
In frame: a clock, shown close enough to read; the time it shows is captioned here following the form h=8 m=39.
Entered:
h=1 m=8
